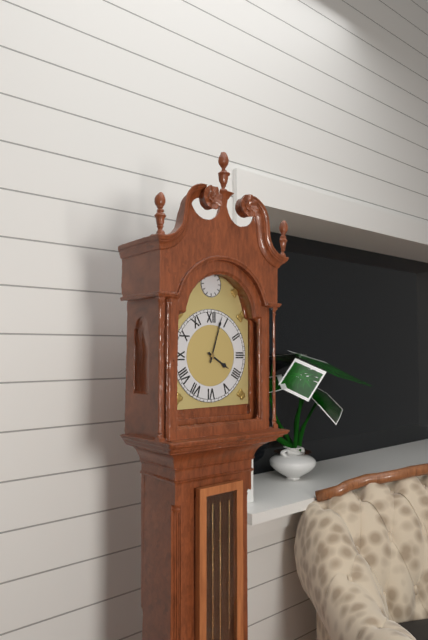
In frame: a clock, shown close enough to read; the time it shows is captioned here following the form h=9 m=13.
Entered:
h=4 m=3
